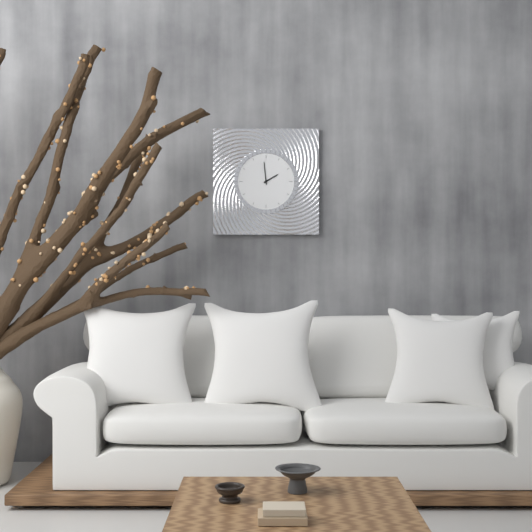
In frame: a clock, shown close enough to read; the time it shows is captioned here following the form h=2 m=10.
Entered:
h=1 m=59
